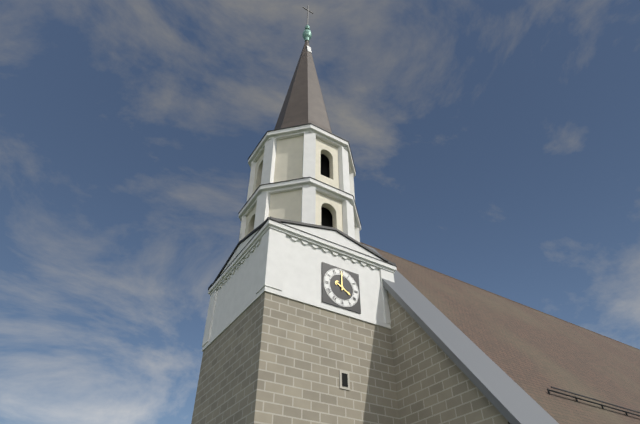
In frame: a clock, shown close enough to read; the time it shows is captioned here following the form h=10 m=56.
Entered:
h=4 m=0
